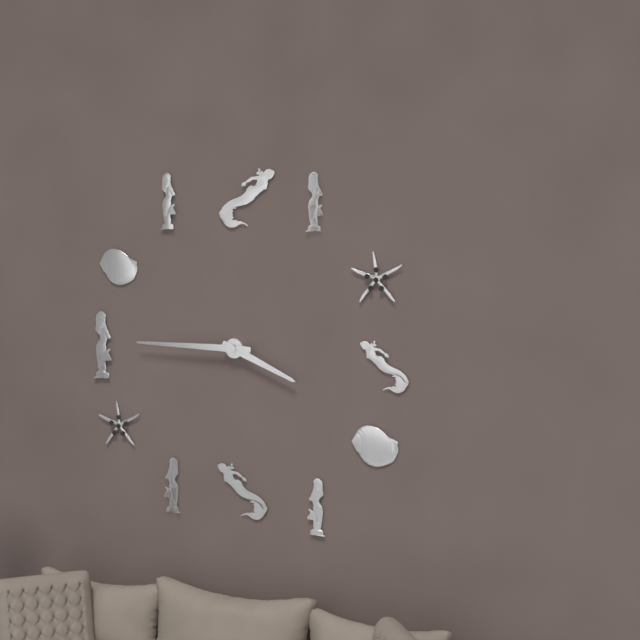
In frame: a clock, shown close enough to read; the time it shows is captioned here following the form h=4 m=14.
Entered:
h=3 m=45
